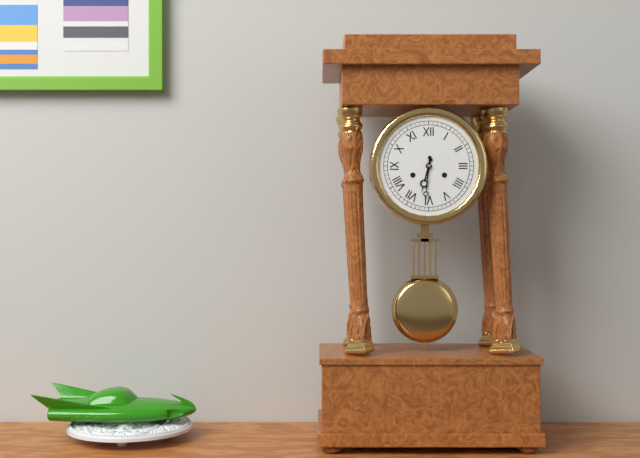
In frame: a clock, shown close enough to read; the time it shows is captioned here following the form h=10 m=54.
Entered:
h=6 m=31
